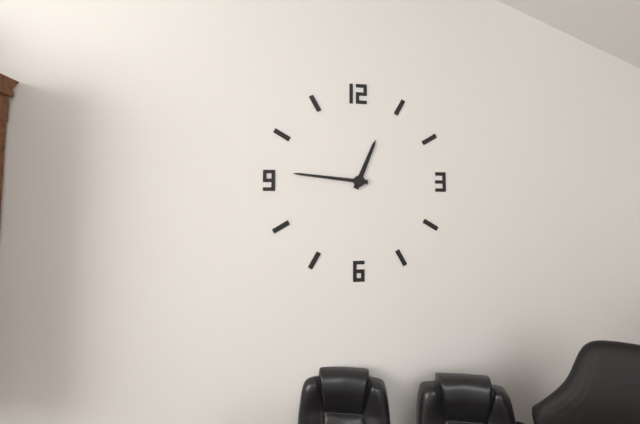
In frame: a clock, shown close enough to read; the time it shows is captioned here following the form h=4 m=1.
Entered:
h=12 m=46
